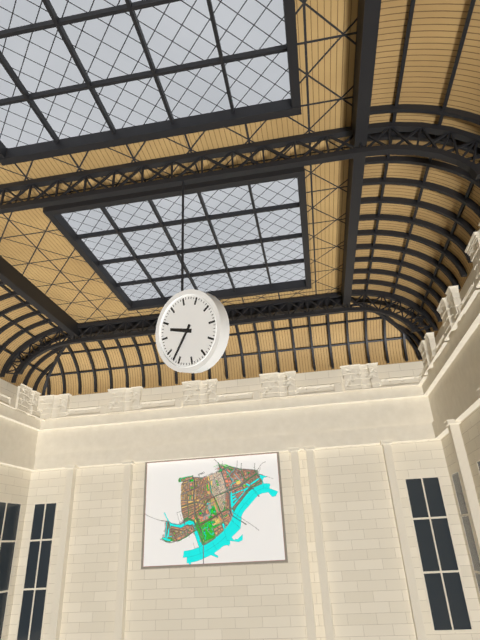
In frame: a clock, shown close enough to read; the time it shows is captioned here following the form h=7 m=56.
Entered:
h=9 m=37
